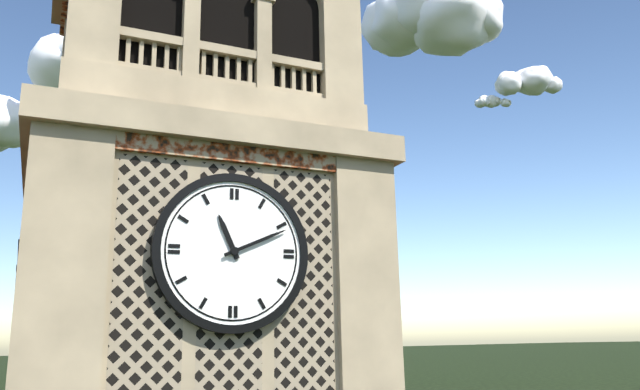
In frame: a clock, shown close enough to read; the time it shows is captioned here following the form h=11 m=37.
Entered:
h=11 m=11
